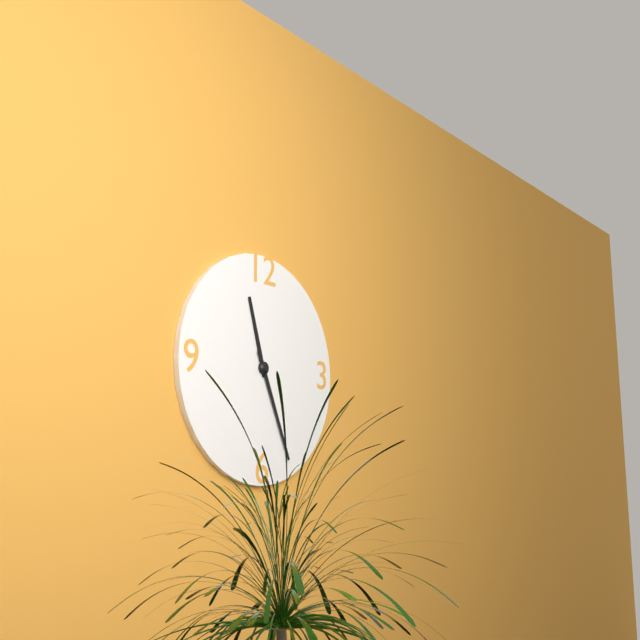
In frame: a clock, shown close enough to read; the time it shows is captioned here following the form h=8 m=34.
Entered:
h=11 m=26
